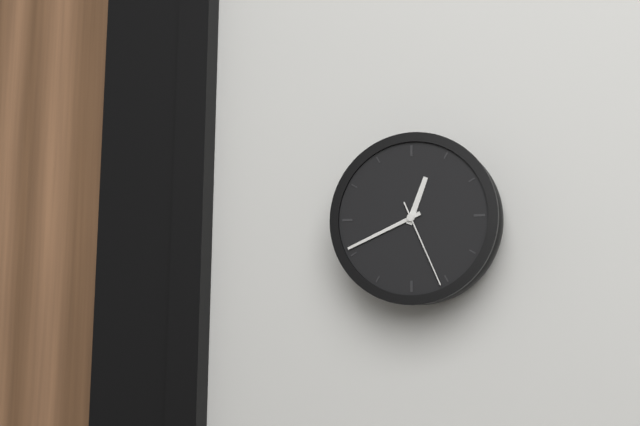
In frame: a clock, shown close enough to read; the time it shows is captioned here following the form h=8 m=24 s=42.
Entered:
h=12 m=41 s=26
